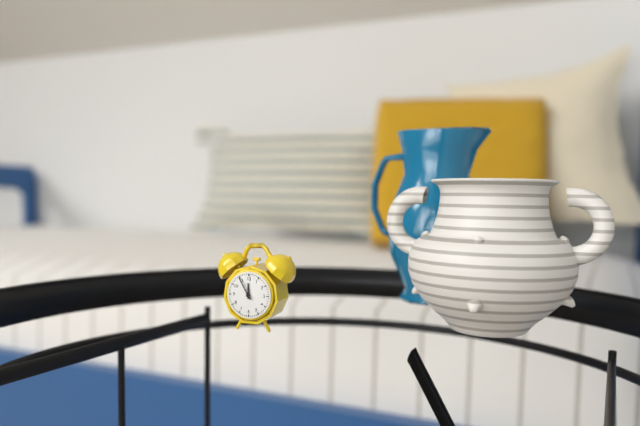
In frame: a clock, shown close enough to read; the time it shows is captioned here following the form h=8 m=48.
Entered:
h=11 m=55
